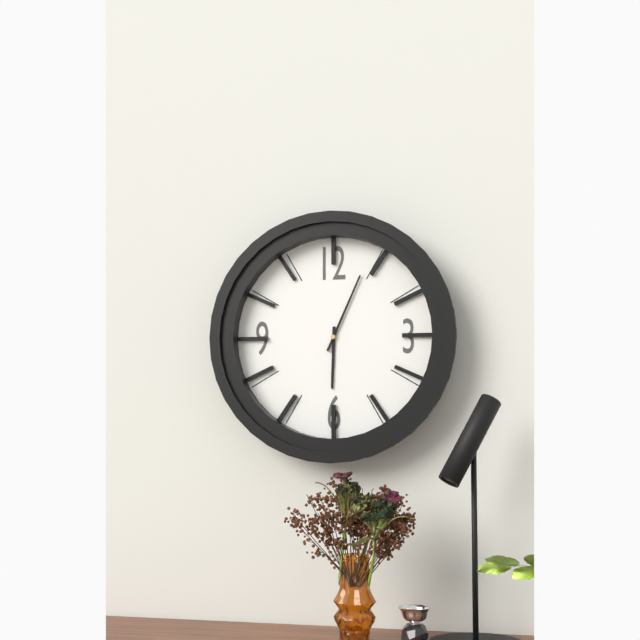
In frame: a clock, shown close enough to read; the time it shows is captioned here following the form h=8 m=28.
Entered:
h=6 m=4
